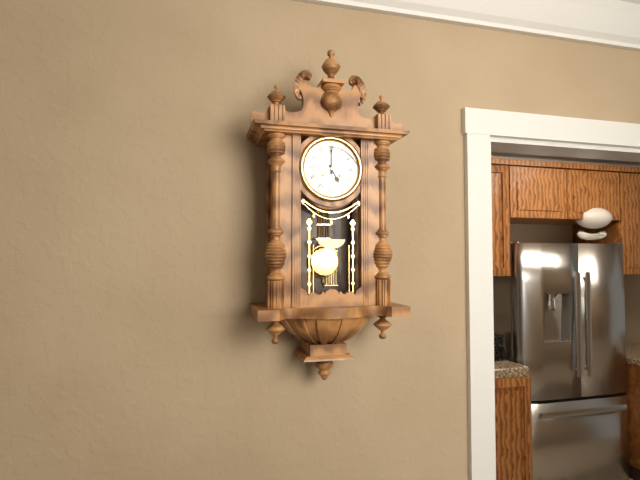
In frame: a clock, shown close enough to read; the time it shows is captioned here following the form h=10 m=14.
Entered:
h=5 m=0
